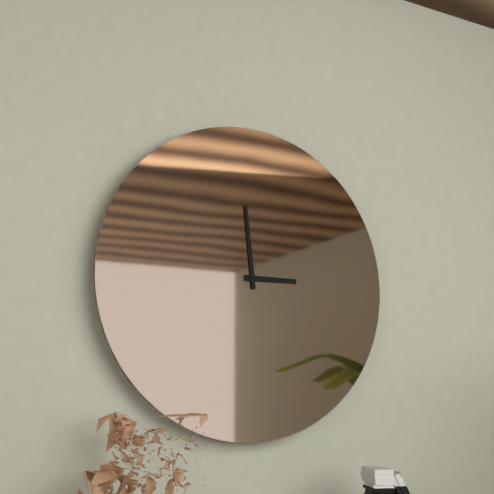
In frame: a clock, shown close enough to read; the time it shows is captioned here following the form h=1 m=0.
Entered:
h=2 m=59
